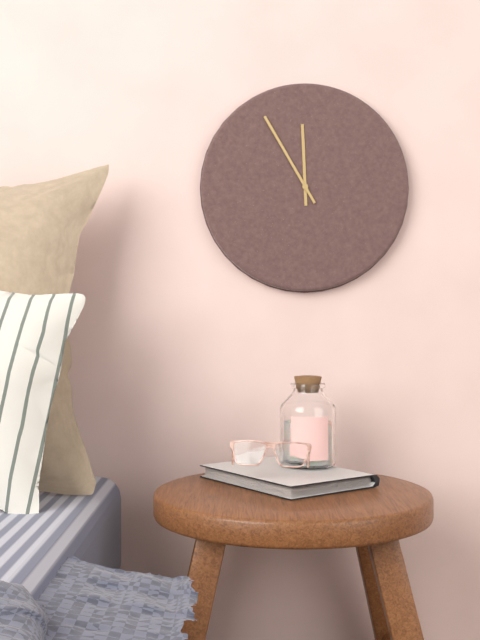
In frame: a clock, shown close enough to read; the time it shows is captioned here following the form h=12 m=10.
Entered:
h=11 m=55
